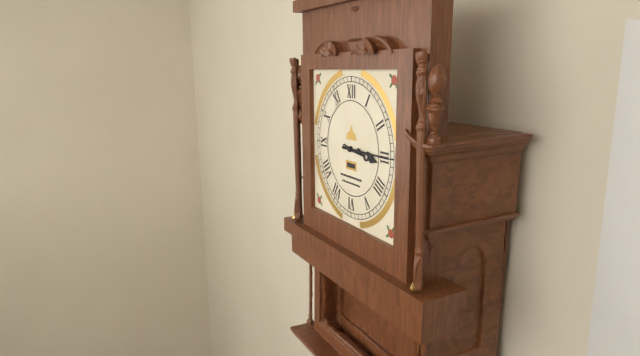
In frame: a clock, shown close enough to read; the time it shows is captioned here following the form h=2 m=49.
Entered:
h=3 m=15
